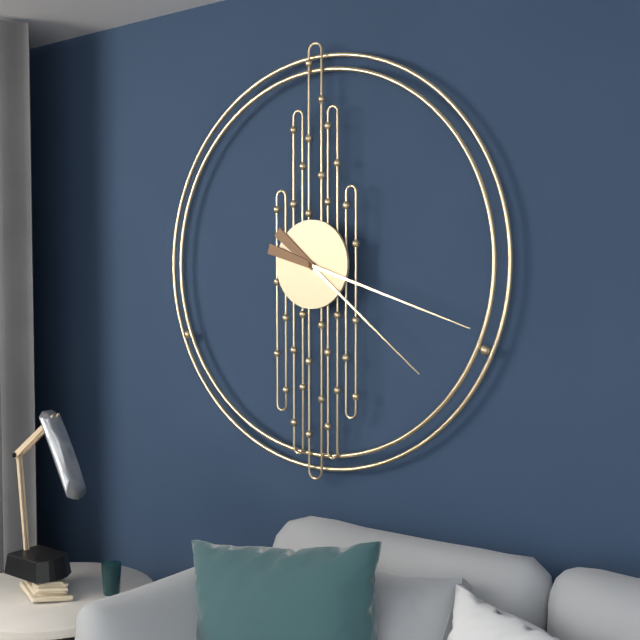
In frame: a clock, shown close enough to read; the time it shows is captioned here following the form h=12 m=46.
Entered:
h=4 m=18
